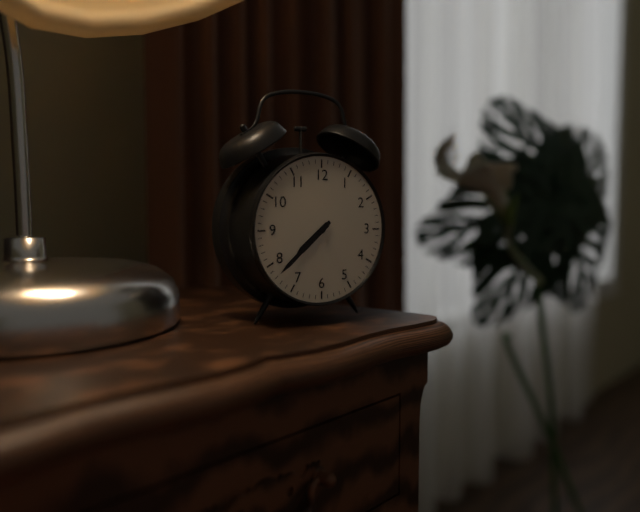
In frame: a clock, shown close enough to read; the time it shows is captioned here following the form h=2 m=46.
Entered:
h=7 m=38
